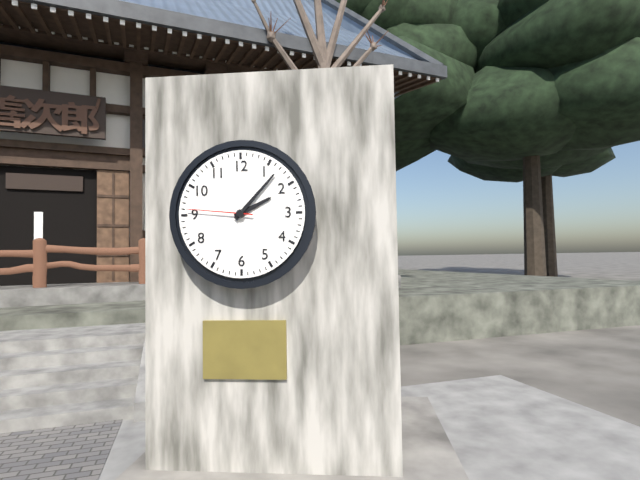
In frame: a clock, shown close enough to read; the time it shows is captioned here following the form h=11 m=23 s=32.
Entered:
h=2 m=7 s=46
